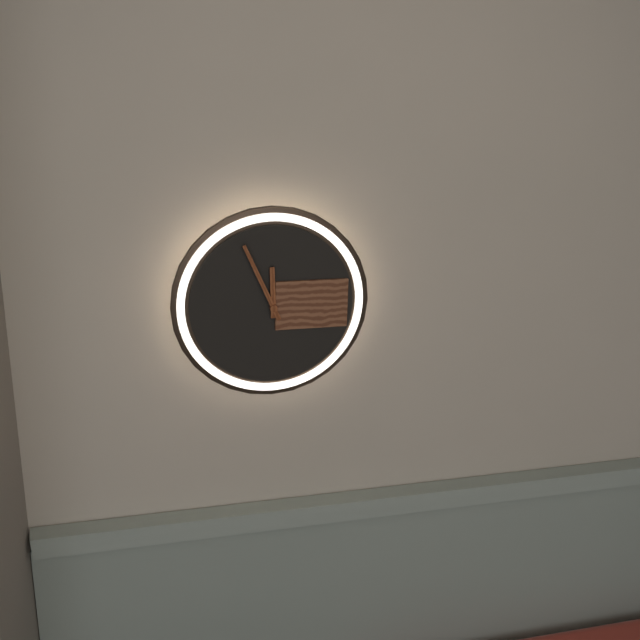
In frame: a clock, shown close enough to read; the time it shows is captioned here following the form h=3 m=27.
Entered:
h=11 m=56
